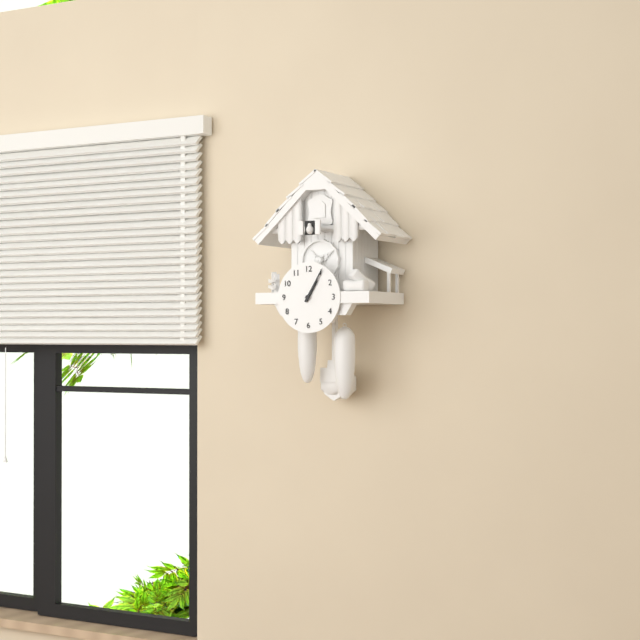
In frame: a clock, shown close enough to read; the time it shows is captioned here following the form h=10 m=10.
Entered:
h=1 m=5
